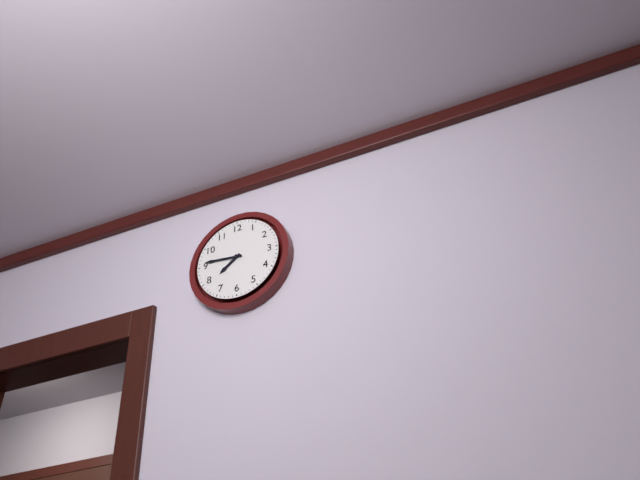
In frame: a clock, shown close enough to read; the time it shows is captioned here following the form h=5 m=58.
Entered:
h=7 m=46
